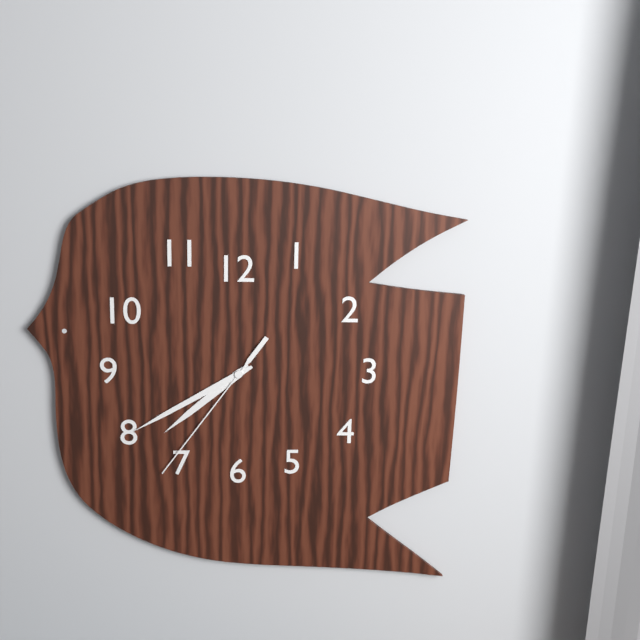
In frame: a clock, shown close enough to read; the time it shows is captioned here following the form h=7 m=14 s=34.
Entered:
h=7 m=40 s=36
